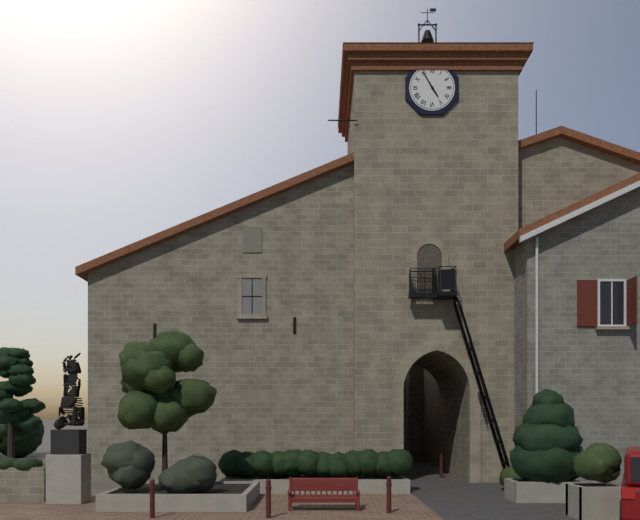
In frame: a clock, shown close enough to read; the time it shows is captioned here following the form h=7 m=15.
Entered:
h=4 m=55
